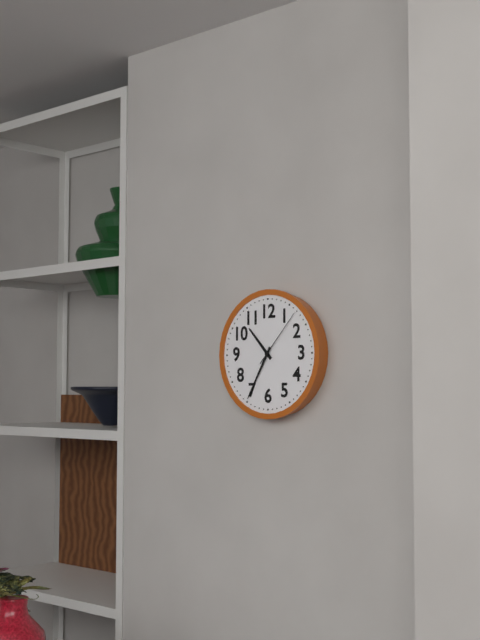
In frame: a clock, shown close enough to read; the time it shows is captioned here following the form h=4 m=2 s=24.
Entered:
h=10 m=35 s=7
